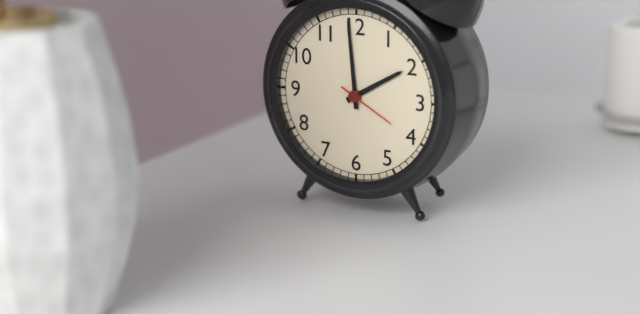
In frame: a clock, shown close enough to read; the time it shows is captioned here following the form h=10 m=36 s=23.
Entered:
h=1 m=59 s=20
